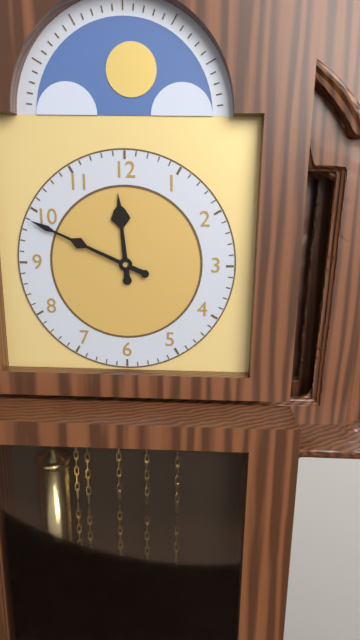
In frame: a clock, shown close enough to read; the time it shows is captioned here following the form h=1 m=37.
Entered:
h=11 m=49
